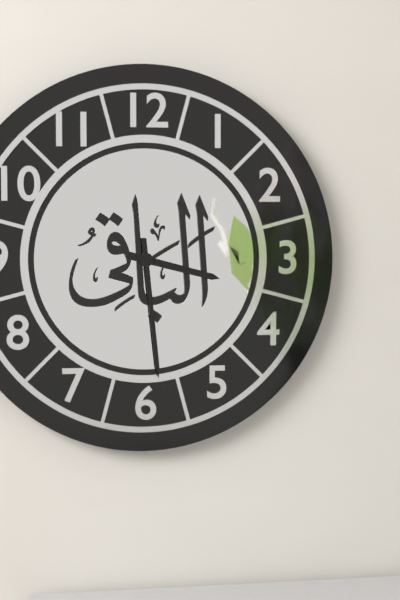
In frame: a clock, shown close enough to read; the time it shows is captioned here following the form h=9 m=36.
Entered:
h=3 m=29
